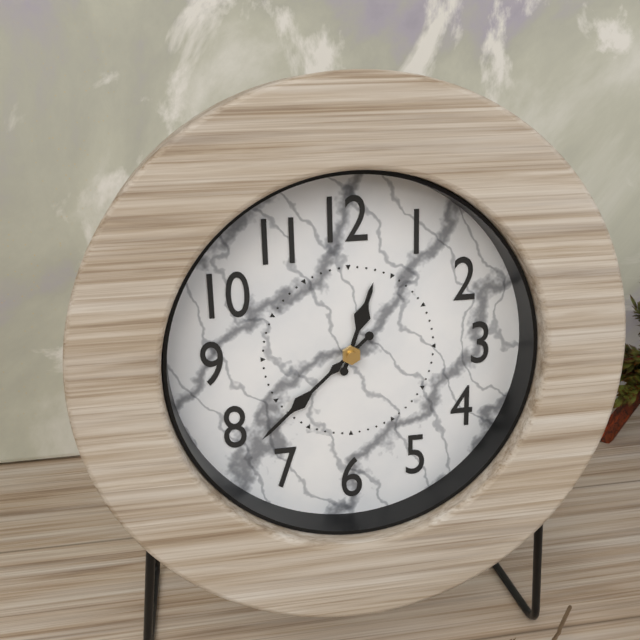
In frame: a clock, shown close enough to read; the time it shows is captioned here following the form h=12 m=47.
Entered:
h=12 m=38
